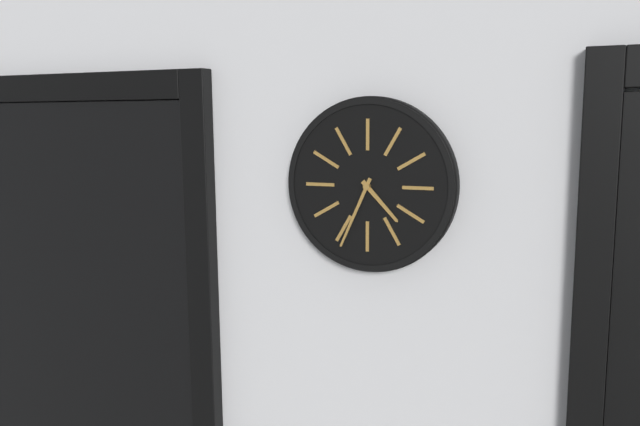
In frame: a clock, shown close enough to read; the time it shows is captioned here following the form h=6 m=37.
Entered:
h=4 m=34
